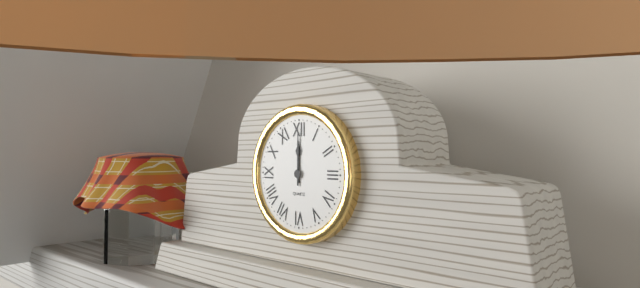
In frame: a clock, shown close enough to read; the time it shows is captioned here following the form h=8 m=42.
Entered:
h=12 m=0
